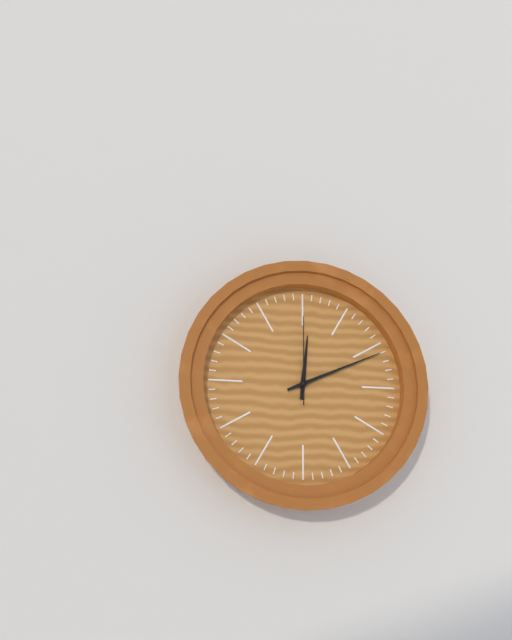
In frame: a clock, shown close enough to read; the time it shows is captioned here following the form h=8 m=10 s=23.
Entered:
h=12 m=11 s=0
